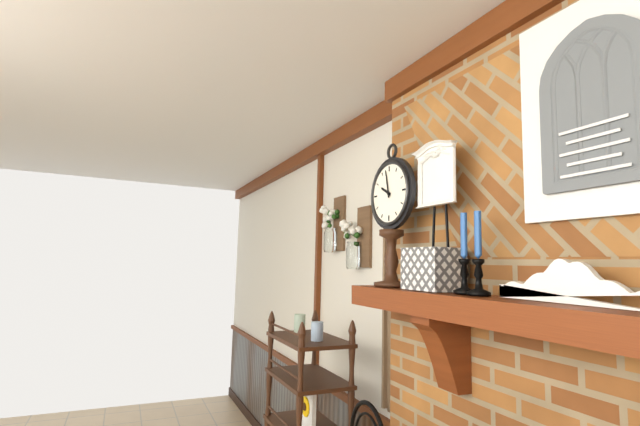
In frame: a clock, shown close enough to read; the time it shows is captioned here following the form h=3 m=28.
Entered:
h=9 m=58
